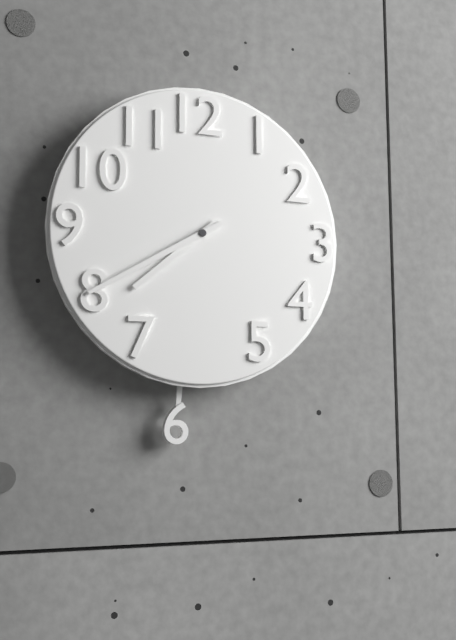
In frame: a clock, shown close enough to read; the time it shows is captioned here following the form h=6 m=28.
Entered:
h=7 m=40
